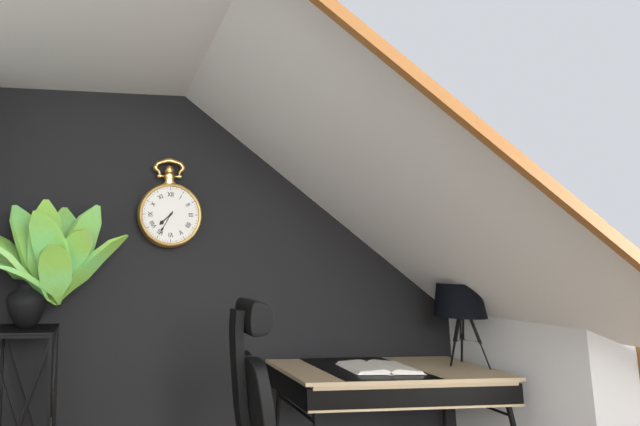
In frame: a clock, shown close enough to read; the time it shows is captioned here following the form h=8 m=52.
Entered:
h=7 m=35
